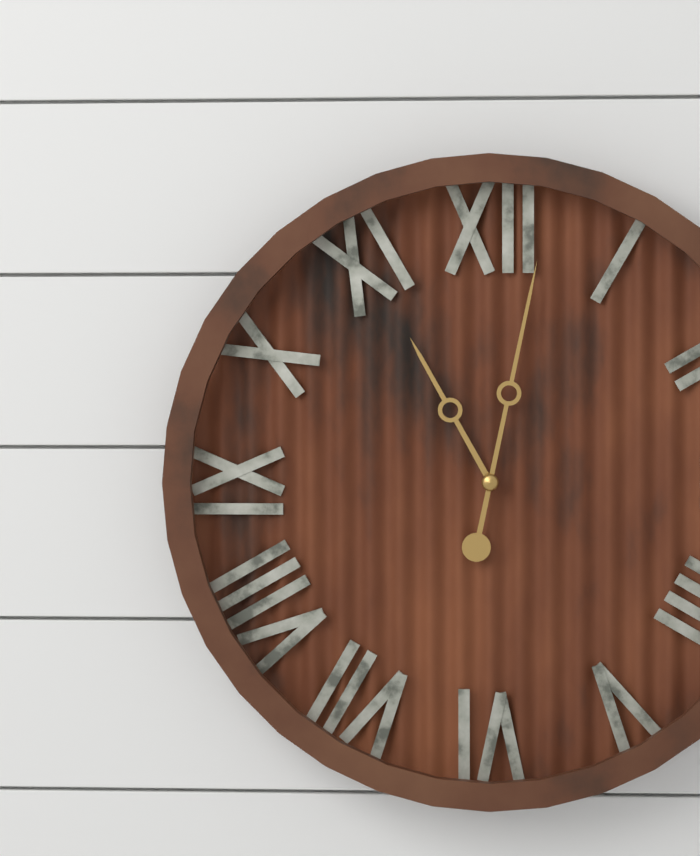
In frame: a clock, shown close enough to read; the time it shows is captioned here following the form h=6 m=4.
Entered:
h=11 m=2
